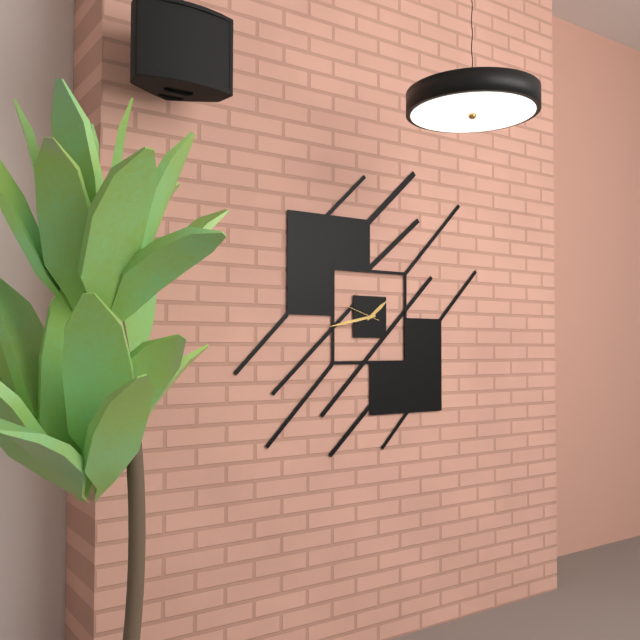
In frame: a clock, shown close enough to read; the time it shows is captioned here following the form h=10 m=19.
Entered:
h=1 m=43
